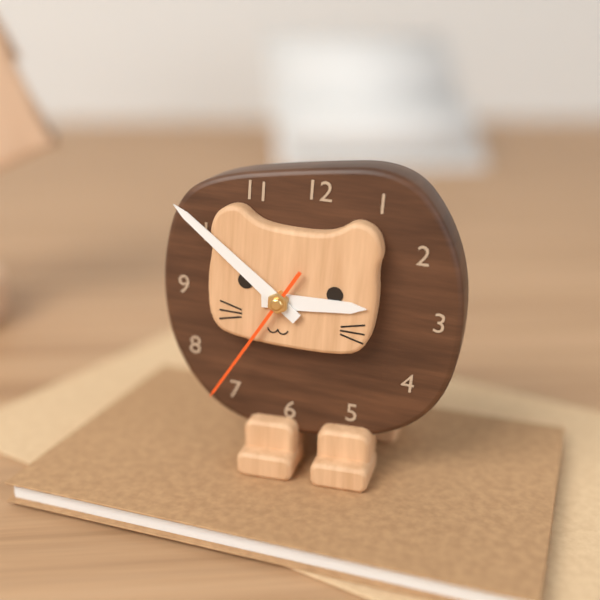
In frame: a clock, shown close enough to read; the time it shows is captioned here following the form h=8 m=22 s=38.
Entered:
h=2 m=51 s=35
